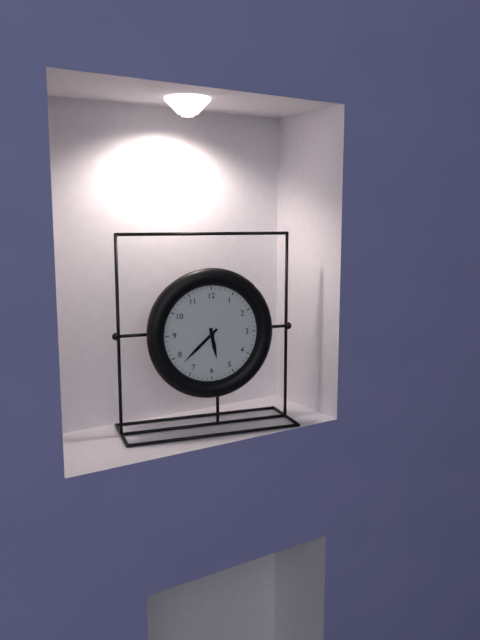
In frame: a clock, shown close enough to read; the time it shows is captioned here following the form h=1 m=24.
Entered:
h=5 m=38
